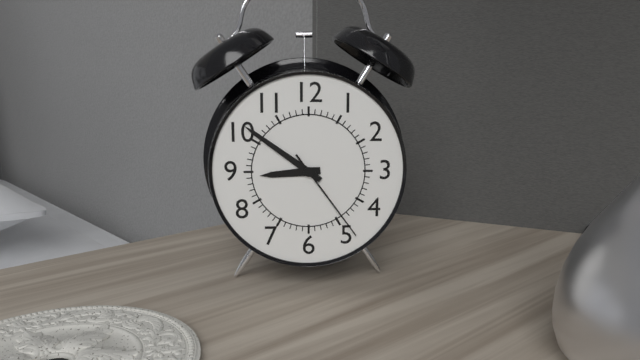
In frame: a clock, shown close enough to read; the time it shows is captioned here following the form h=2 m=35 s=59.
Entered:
h=8 m=51 s=24
